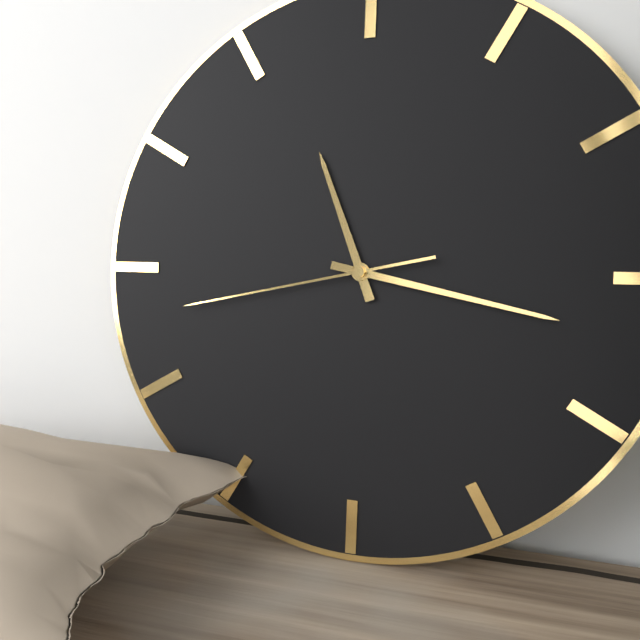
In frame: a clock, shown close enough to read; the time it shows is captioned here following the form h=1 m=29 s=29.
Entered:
h=11 m=17 s=43
